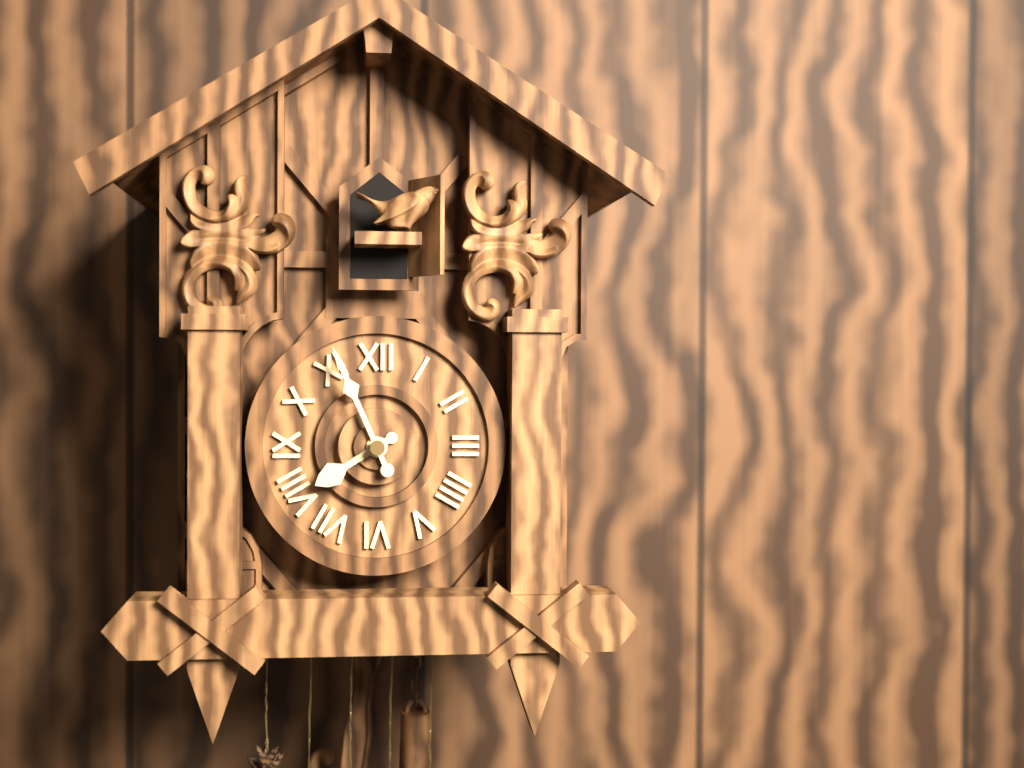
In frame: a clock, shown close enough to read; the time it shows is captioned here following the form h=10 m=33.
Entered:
h=7 m=56
